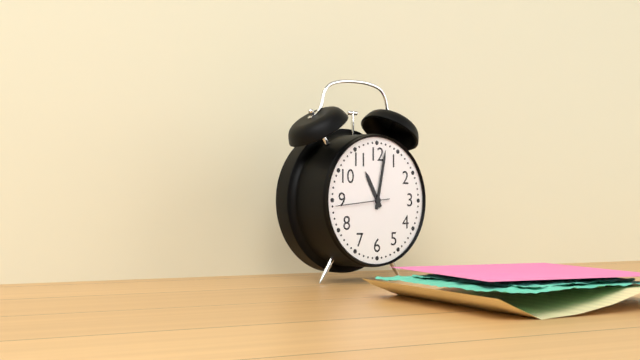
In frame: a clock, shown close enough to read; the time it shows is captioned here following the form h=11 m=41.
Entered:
h=11 m=2
